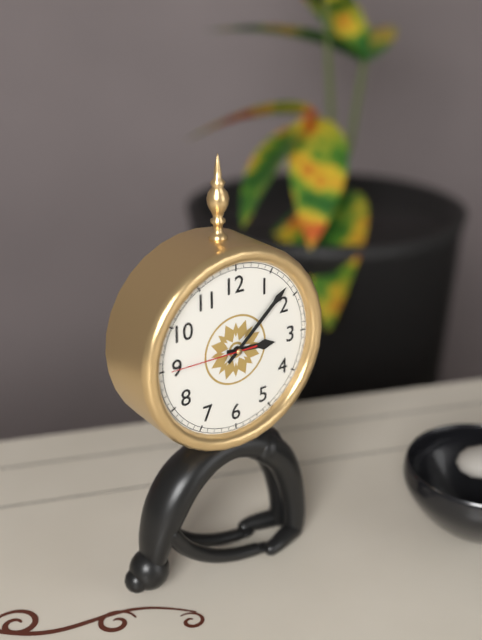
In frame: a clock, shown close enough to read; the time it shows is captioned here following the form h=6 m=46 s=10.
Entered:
h=3 m=8 s=45
